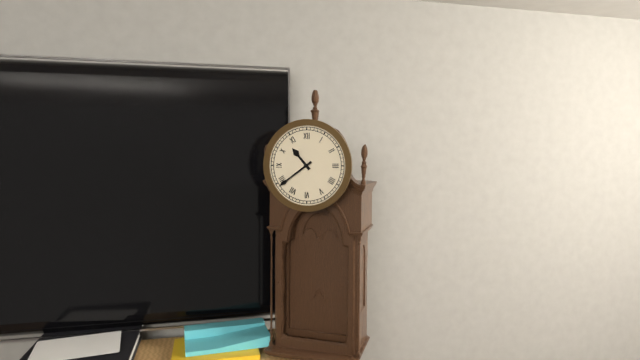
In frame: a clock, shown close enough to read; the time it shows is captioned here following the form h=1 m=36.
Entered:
h=10 m=39
